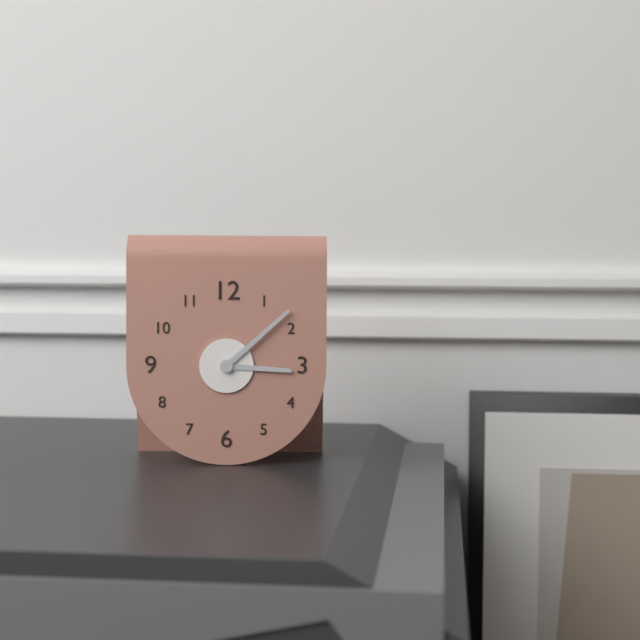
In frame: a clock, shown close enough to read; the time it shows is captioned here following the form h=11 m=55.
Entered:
h=3 m=8
